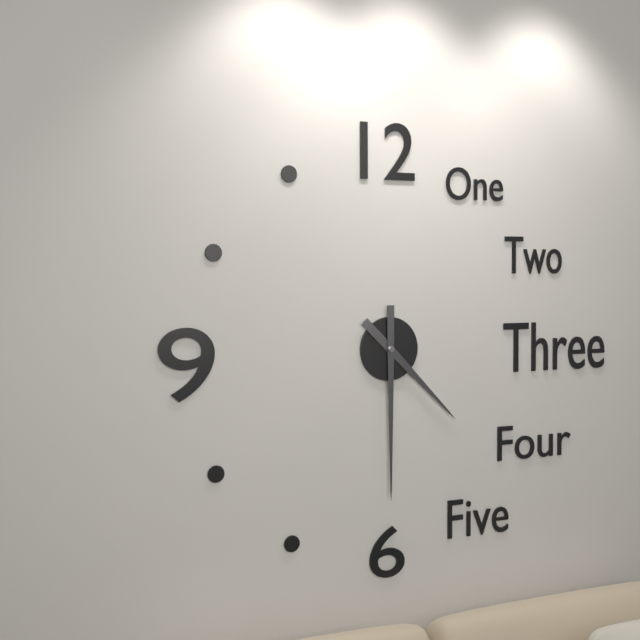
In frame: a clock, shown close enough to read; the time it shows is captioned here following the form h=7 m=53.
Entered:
h=4 m=30
